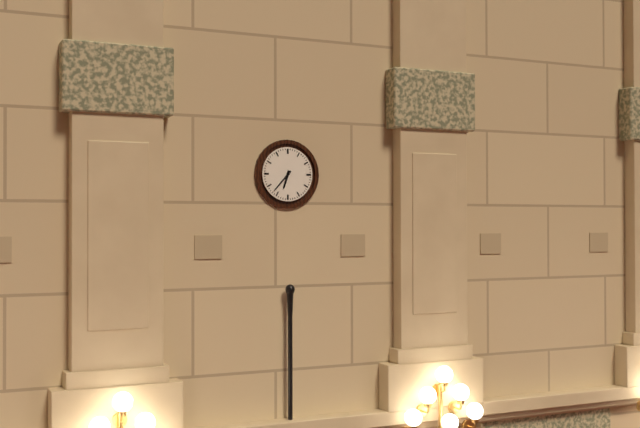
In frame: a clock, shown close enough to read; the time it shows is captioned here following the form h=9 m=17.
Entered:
h=6 m=37
